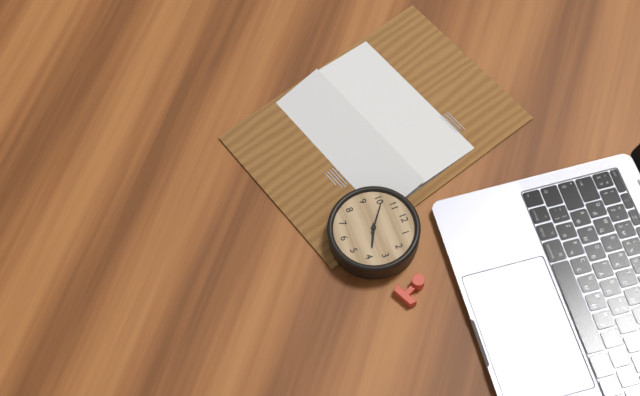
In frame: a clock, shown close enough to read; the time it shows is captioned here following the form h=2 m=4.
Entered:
h=3 m=51
